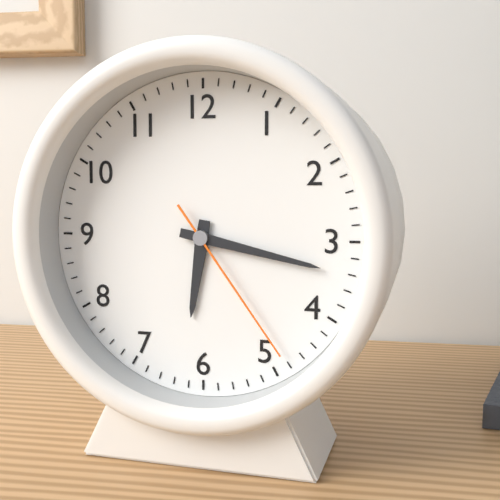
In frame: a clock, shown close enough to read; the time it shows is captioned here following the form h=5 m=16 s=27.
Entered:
h=6 m=17 s=24
